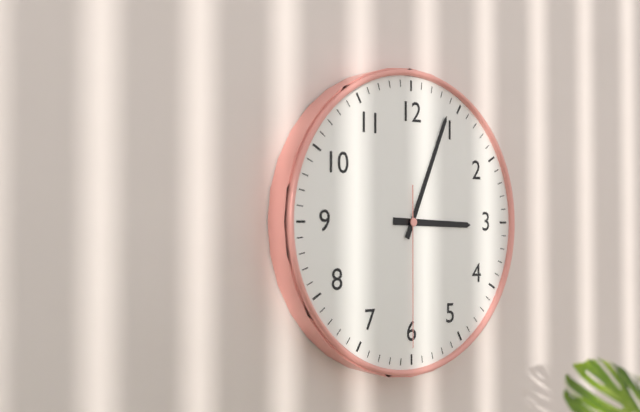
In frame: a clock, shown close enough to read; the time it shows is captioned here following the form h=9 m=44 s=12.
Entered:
h=3 m=4 s=30
